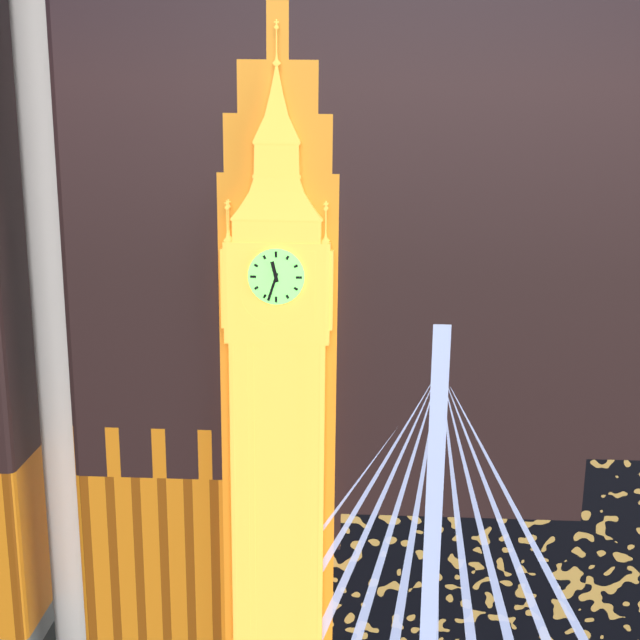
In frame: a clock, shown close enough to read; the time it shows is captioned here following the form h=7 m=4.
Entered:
h=11 m=33
